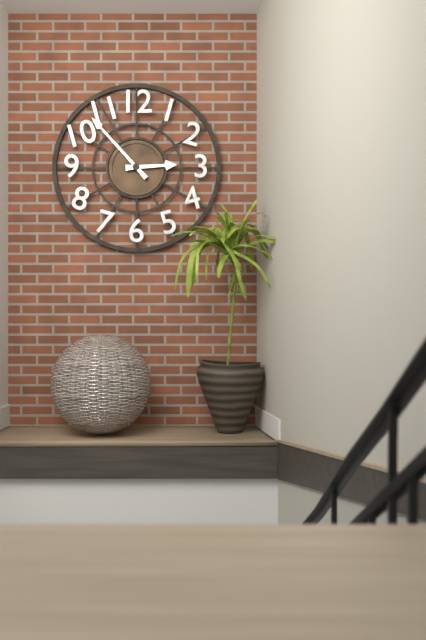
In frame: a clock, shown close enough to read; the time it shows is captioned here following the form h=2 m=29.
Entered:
h=2 m=53
